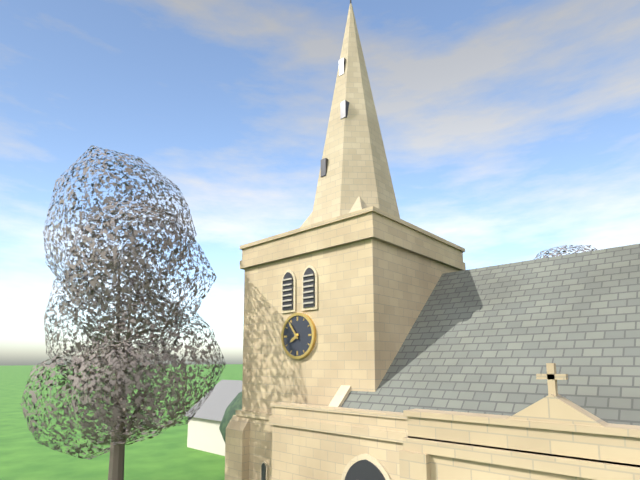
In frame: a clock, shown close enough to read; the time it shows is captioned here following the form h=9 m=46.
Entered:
h=7 m=54
